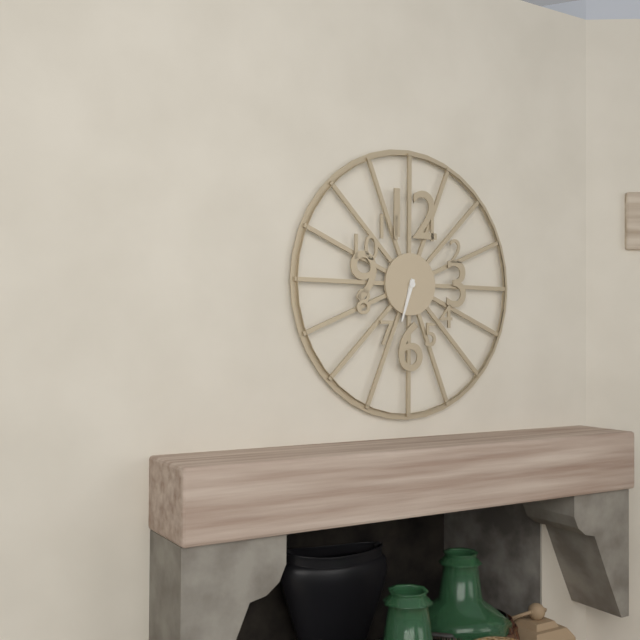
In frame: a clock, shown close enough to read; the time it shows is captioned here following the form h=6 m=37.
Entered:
h=6 m=33
